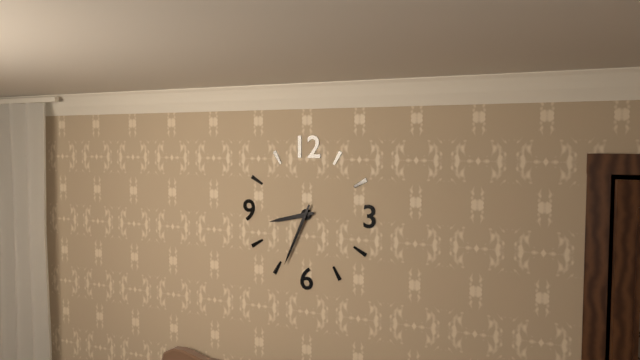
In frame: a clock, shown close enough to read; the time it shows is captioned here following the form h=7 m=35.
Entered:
h=8 m=34
